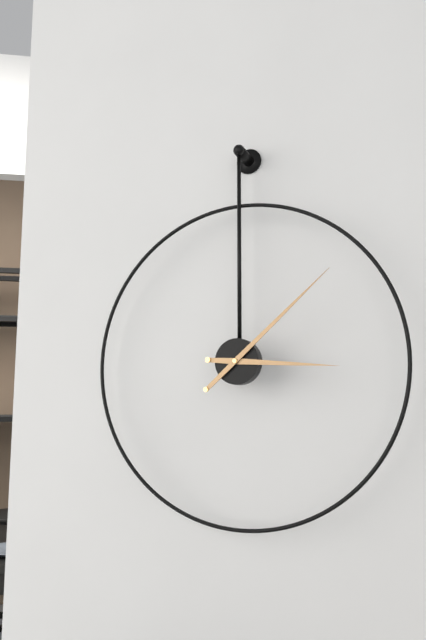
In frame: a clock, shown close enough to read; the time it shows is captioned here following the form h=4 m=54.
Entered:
h=3 m=8
